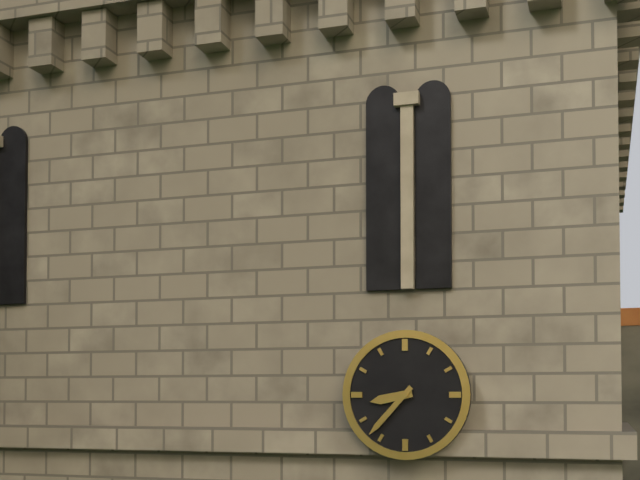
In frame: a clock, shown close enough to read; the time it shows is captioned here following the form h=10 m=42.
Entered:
h=8 m=37
